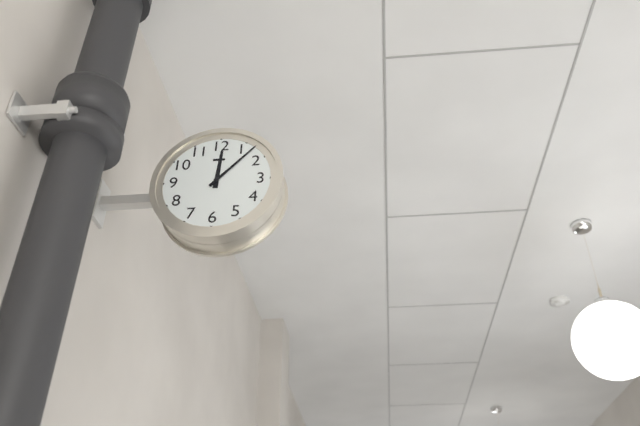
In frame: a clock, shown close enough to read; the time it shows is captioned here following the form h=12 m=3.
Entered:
h=12 m=7
